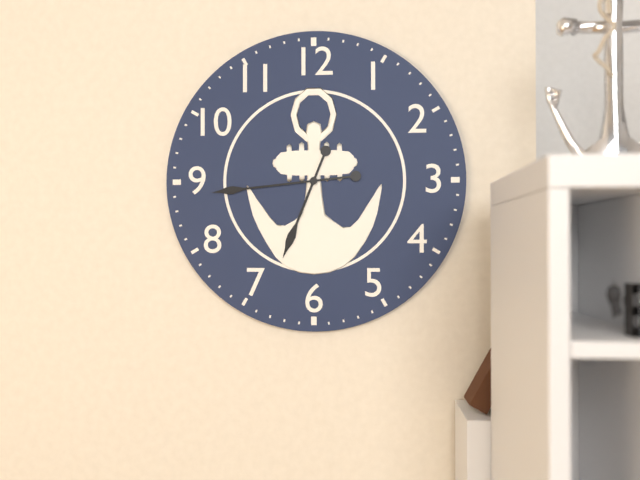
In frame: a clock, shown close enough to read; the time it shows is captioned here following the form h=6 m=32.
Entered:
h=6 m=44
